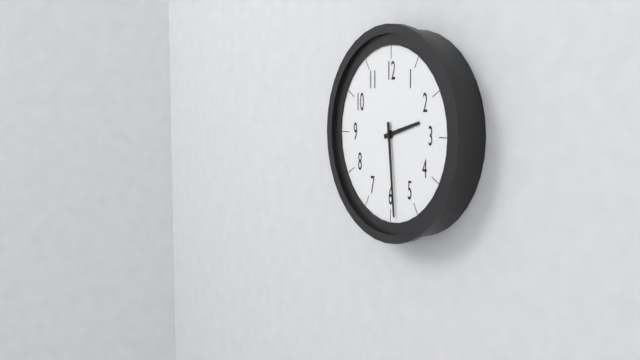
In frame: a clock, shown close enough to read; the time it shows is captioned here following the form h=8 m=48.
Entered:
h=2 m=29
